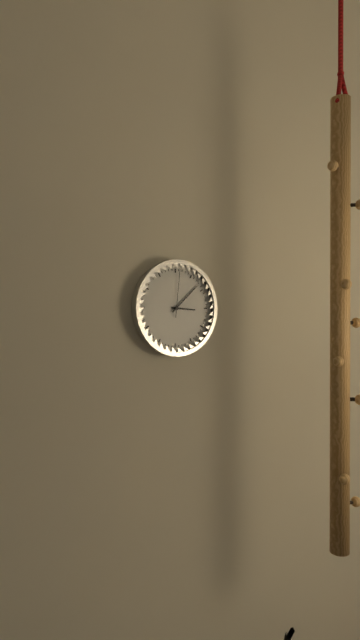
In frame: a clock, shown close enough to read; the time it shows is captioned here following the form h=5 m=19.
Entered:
h=3 m=8
